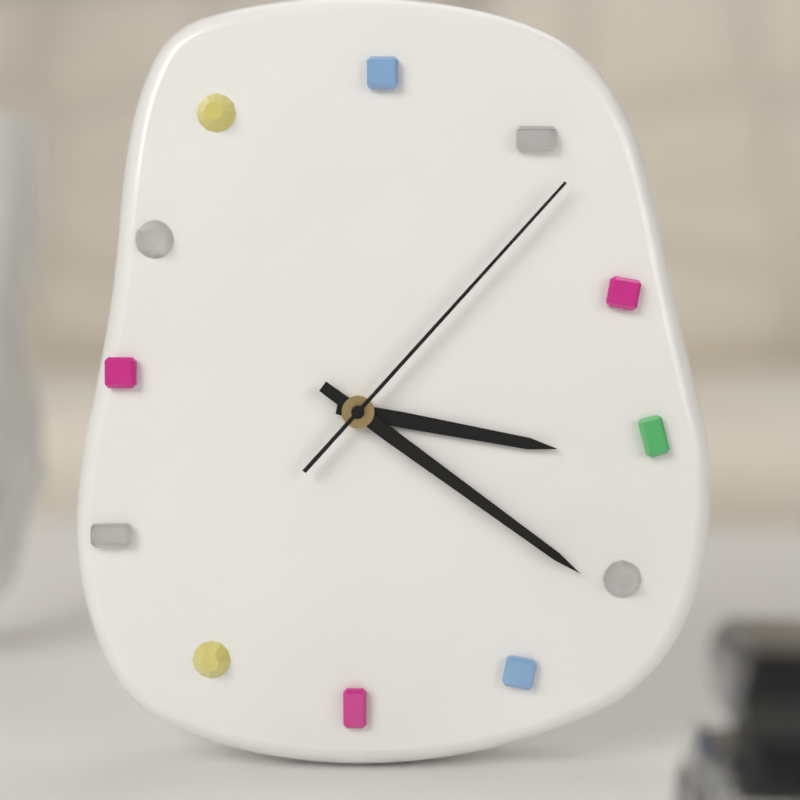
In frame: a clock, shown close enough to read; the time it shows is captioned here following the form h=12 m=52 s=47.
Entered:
h=3 m=21 s=7
